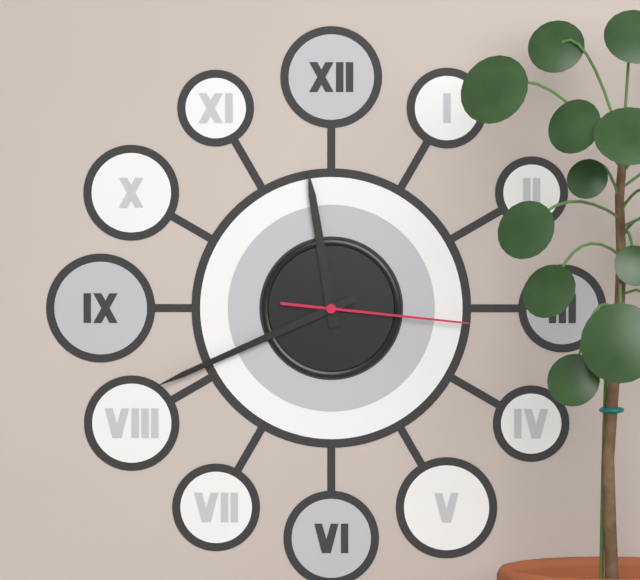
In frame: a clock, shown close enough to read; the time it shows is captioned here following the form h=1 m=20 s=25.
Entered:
h=11 m=41 s=16
